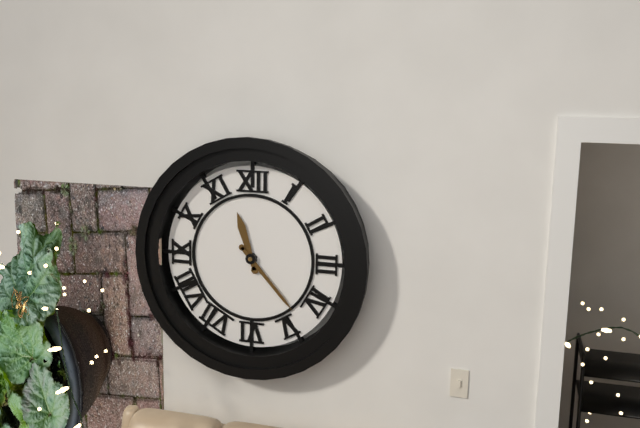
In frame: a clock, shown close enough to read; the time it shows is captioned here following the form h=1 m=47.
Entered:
h=11 m=23
